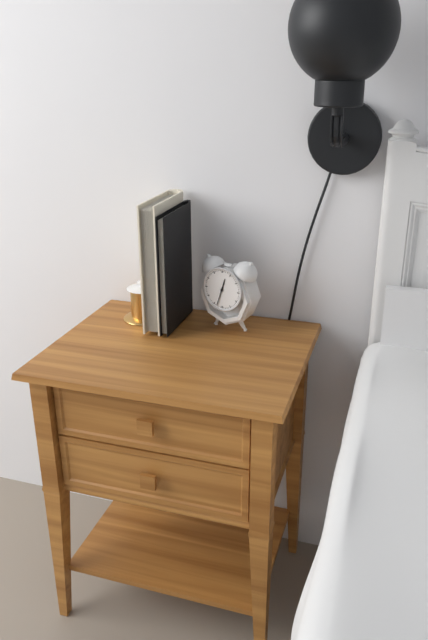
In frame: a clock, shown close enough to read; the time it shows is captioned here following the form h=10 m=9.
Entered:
h=12 m=33
